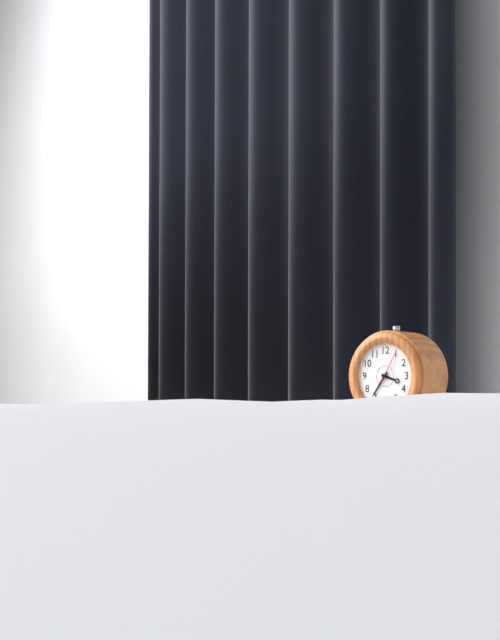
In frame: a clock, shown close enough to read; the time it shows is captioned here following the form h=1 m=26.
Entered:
h=3 m=36
